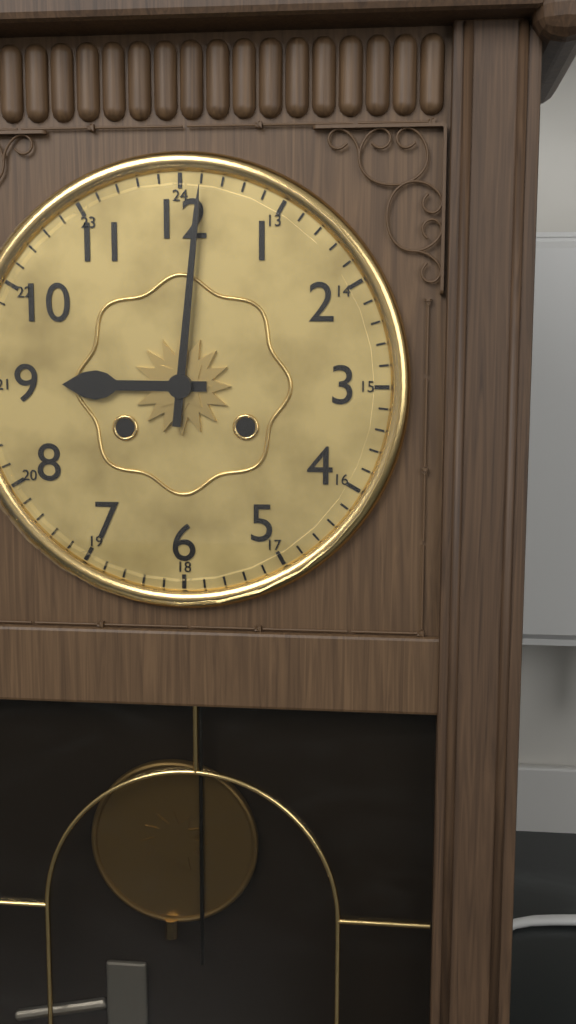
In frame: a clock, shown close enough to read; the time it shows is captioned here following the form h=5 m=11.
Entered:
h=9 m=1
